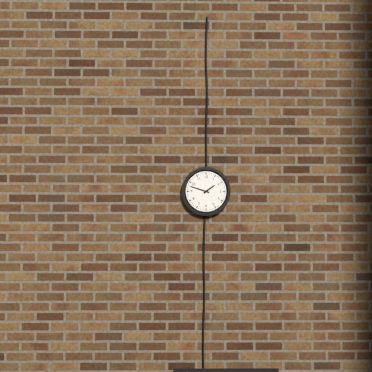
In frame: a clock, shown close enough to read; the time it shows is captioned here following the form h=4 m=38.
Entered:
h=1 m=48
